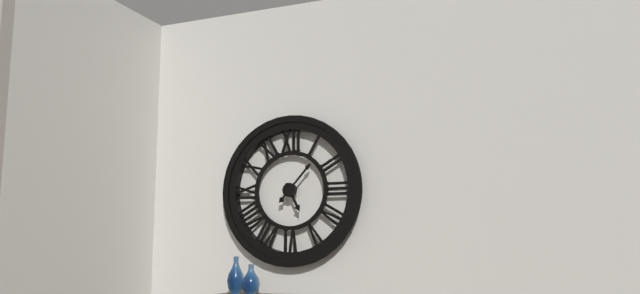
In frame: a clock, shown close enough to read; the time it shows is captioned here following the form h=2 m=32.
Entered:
h=5 m=7
